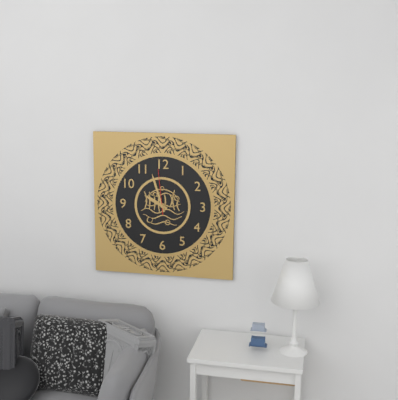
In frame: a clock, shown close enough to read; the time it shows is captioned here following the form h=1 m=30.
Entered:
h=9 m=57
